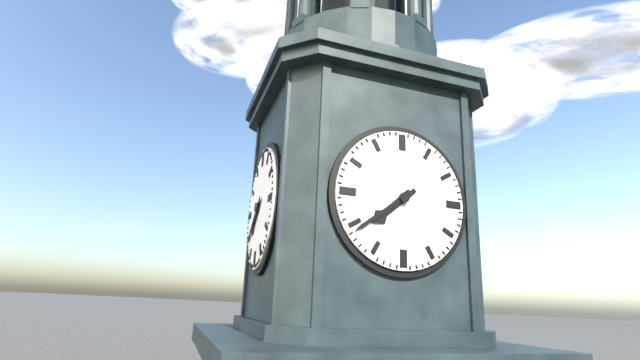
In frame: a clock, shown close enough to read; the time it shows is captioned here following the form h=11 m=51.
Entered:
h=7 m=39
